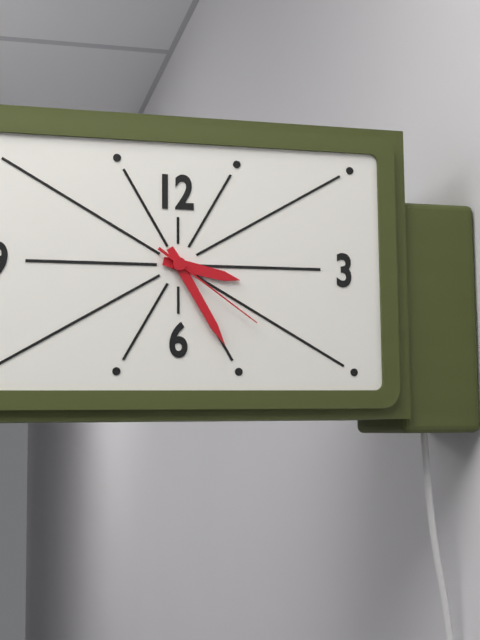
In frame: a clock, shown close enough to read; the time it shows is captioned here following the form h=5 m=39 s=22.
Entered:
h=3 m=25 s=21
